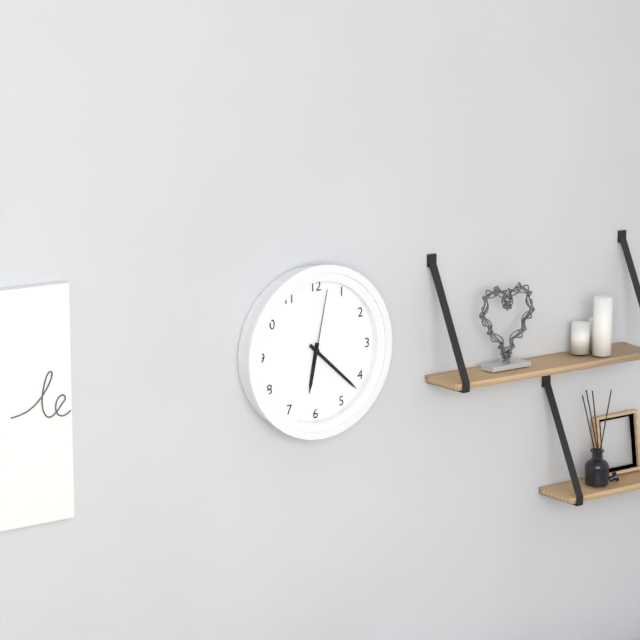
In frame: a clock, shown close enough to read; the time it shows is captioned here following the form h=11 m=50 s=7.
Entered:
h=6 m=22 s=2
